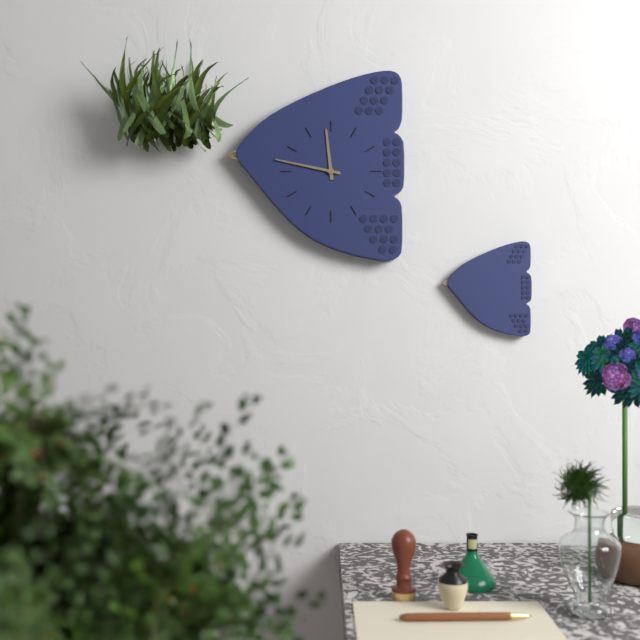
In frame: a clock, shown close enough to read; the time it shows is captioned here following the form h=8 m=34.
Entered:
h=11 m=47
